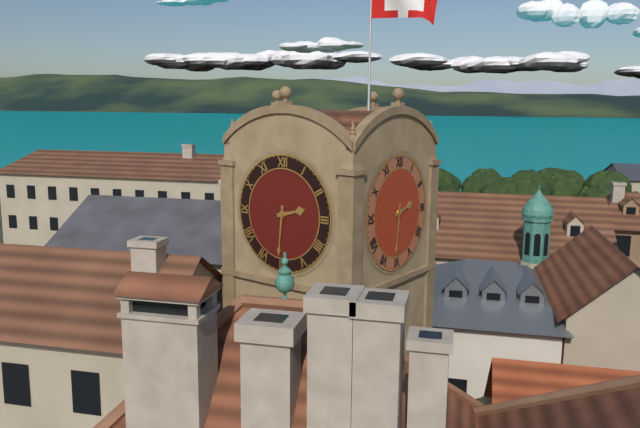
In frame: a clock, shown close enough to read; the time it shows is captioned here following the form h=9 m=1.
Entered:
h=2 m=31
